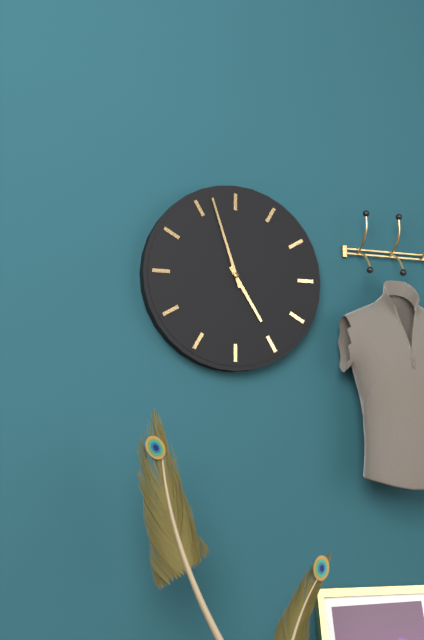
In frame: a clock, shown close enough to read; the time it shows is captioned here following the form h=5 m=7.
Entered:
h=4 m=57
